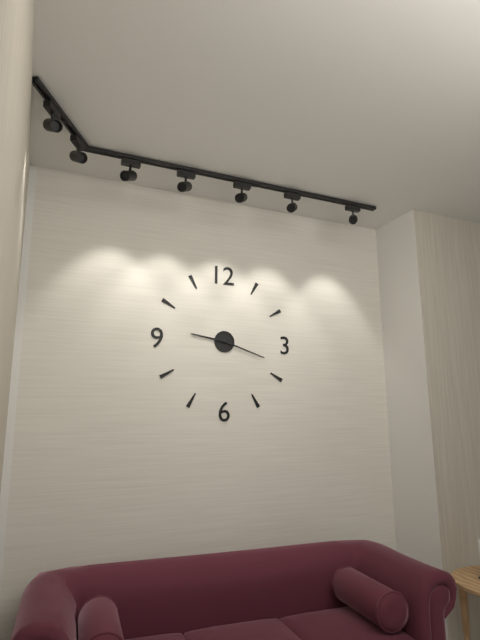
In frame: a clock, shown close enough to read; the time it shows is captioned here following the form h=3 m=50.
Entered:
h=9 m=18
